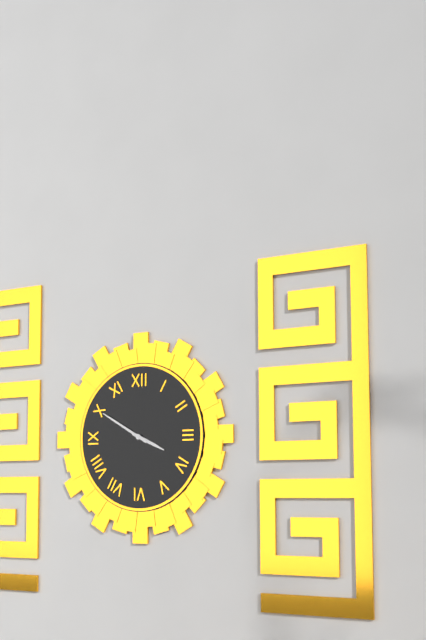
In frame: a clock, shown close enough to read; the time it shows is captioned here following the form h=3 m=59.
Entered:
h=3 m=50
